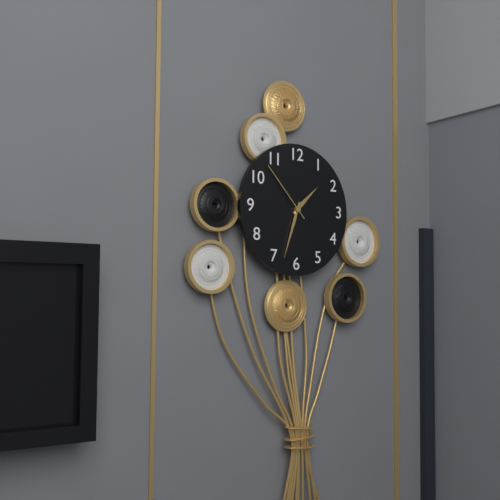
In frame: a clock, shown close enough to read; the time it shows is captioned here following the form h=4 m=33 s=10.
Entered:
h=1 m=33 s=53
